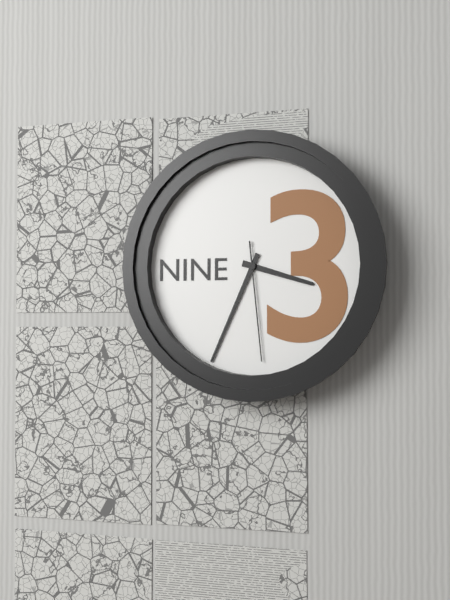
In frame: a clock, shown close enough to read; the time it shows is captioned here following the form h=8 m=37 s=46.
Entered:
h=3 m=34 s=29
